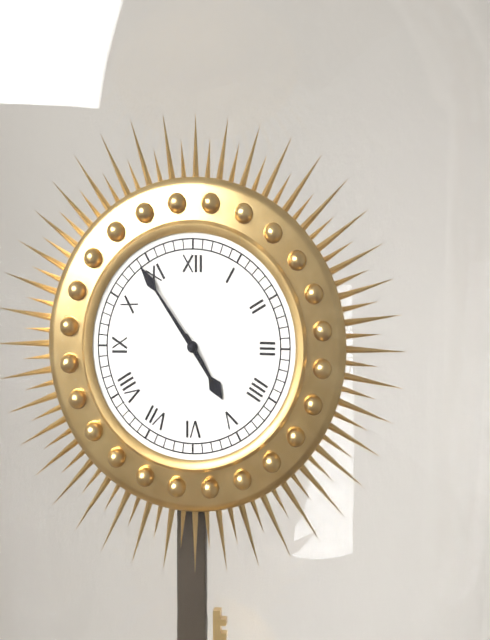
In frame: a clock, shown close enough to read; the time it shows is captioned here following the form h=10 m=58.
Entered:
h=4 m=54
